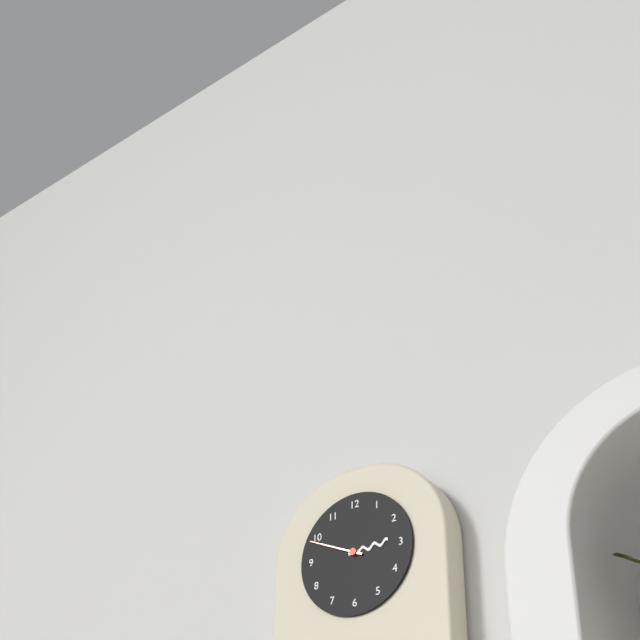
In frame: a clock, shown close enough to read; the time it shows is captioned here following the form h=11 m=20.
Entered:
h=2 m=49
